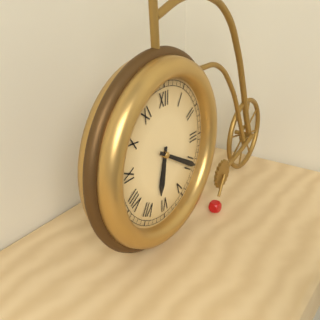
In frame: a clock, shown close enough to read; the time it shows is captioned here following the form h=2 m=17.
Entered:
h=6 m=20
